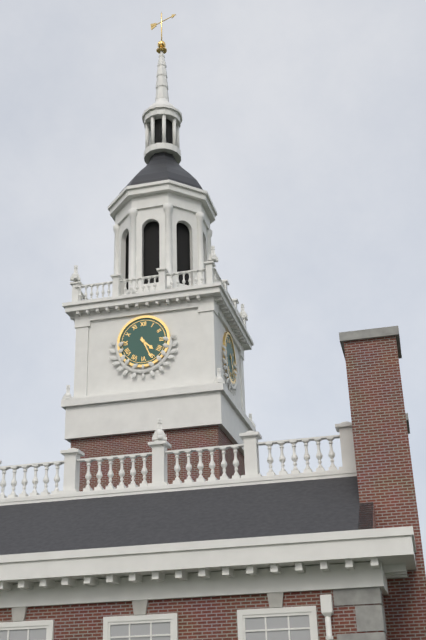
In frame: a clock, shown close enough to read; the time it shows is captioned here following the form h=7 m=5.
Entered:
h=4 m=26
